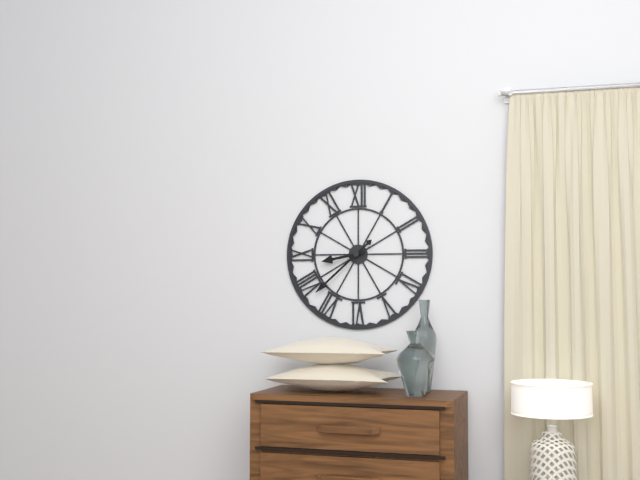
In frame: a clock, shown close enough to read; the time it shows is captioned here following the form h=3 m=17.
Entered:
h=8 m=38
